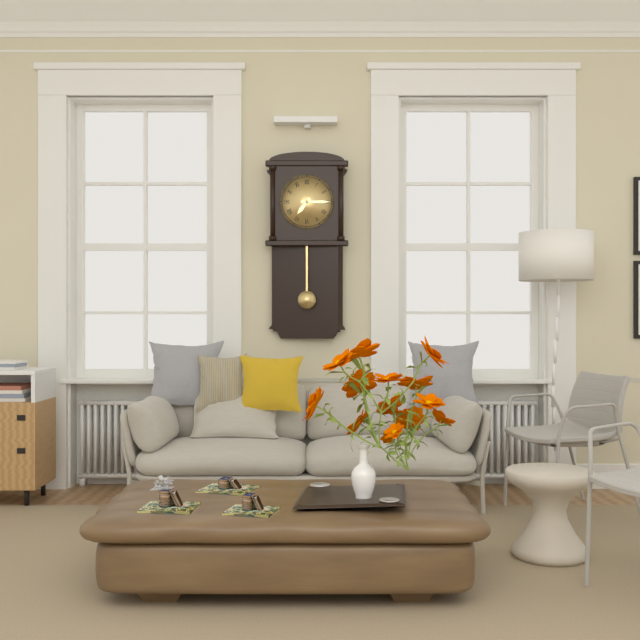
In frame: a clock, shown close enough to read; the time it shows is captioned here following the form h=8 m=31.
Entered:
h=7 m=15
